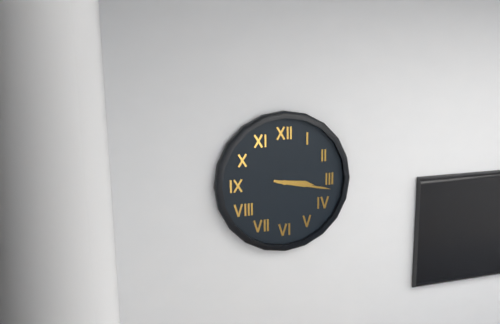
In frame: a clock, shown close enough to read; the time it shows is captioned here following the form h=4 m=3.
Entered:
h=3 m=17
